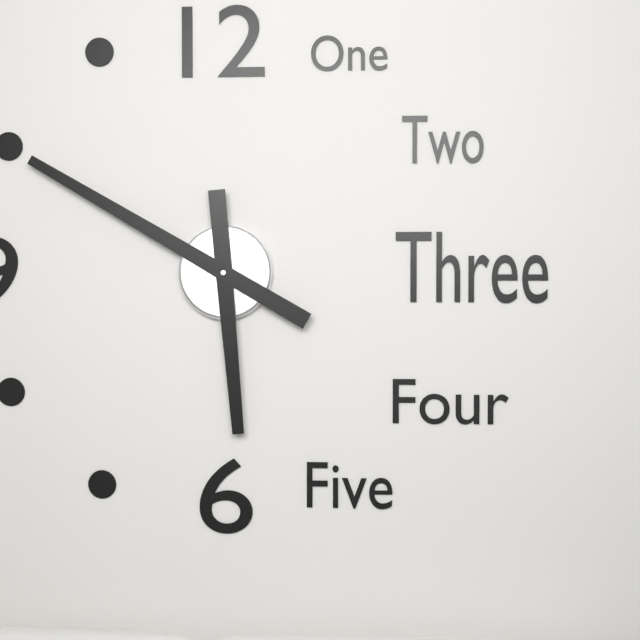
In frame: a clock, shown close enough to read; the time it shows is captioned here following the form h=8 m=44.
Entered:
h=5 m=50
